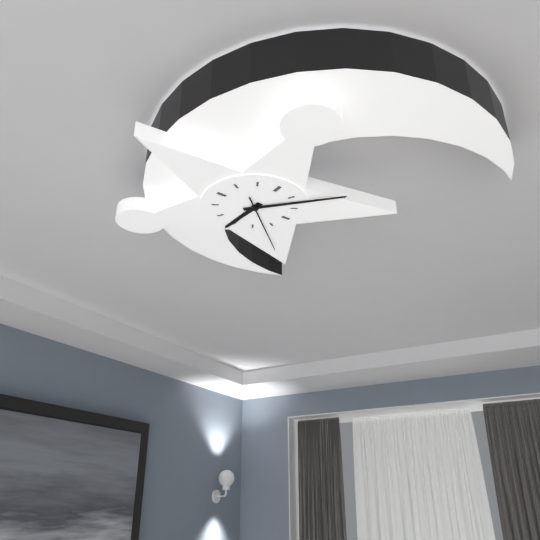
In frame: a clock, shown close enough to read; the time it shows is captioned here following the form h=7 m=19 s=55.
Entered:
h=6 m=7 s=22
